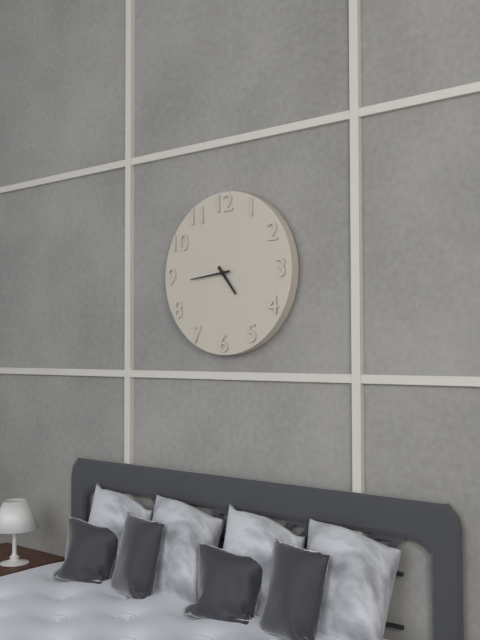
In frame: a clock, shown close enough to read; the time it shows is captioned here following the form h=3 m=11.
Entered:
h=4 m=44
